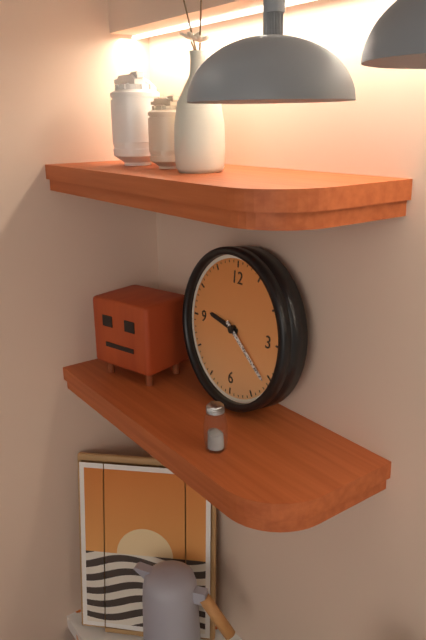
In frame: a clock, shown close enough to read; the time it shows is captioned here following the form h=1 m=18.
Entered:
h=9 m=21
